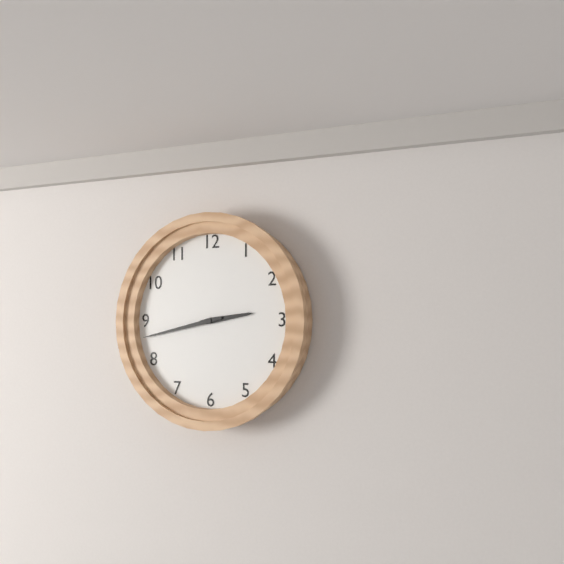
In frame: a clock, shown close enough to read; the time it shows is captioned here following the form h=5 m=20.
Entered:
h=2 m=43
